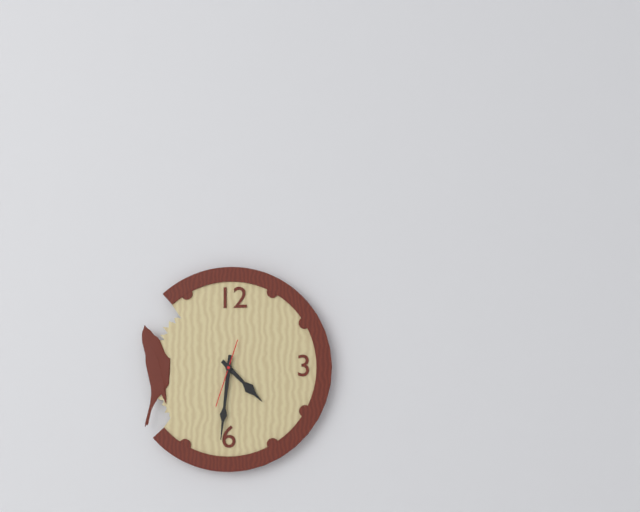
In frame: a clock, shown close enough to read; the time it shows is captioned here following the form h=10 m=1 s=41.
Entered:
h=4 m=31 s=33
